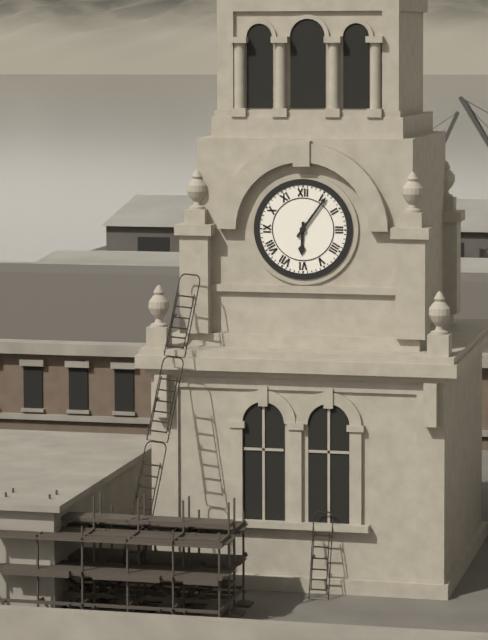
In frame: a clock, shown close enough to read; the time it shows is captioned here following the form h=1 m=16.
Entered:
h=6 m=6
